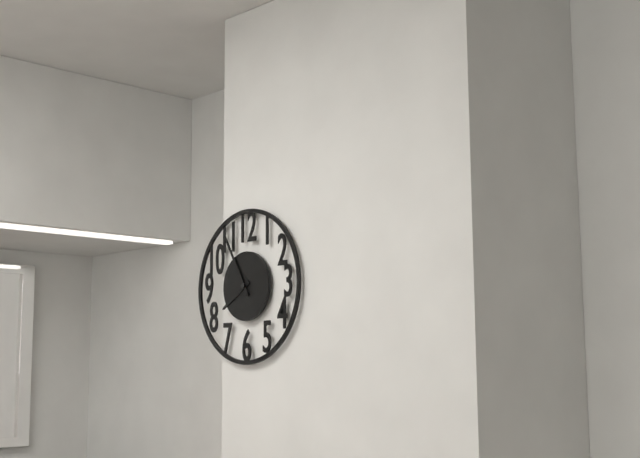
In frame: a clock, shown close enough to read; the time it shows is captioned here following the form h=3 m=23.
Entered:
h=7 m=55
